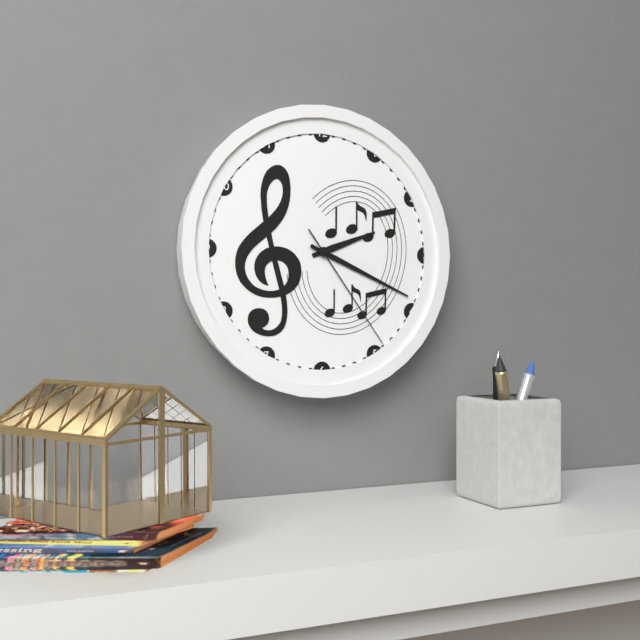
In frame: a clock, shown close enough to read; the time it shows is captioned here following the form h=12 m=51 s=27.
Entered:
h=2 m=19 s=24
